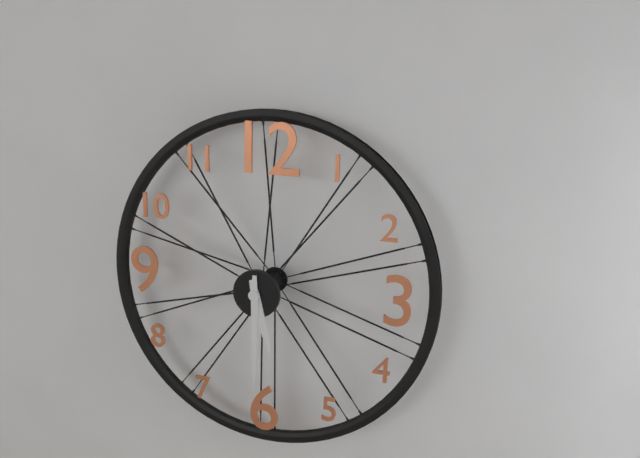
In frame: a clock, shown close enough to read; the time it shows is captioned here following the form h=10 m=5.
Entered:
h=5 m=30
